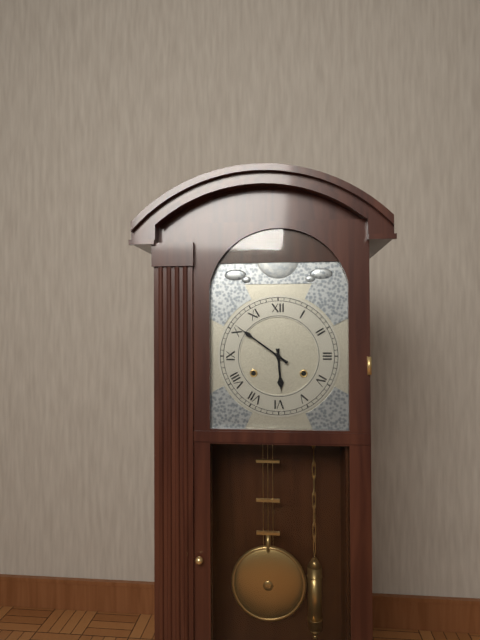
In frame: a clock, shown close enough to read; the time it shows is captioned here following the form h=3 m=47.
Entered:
h=5 m=51
